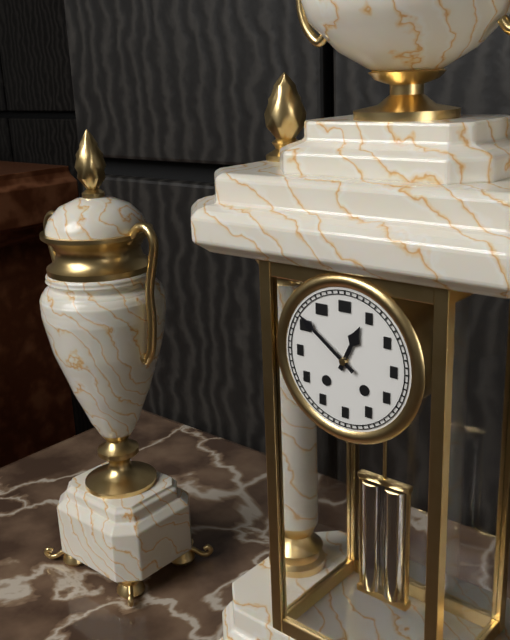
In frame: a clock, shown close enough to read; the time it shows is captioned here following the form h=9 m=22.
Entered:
h=12 m=51
